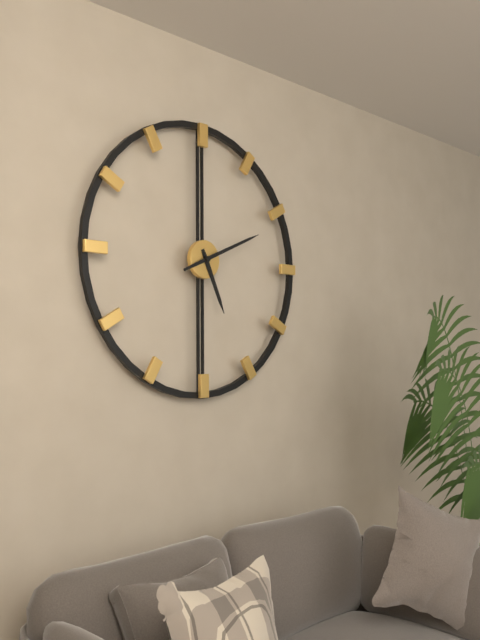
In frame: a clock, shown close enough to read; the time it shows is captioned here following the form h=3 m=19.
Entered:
h=5 m=11
